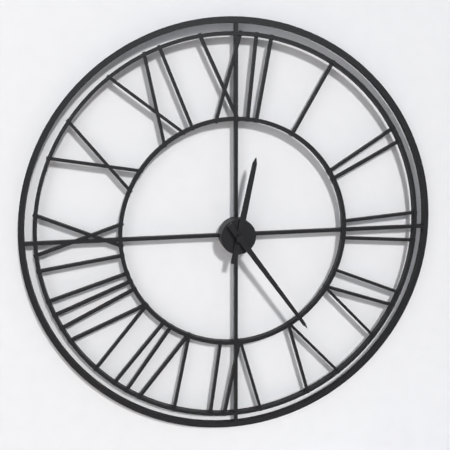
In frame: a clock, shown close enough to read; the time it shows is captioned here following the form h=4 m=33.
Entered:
h=12 m=24
